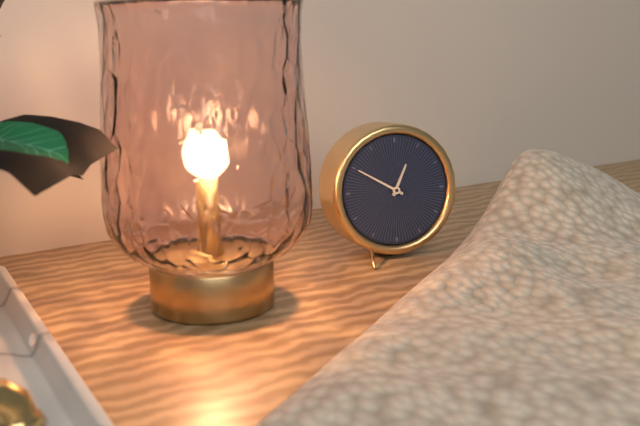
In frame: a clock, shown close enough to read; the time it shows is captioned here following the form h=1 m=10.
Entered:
h=12 m=50
